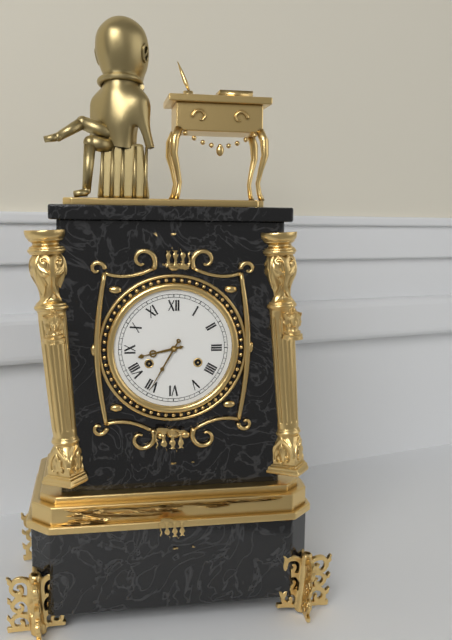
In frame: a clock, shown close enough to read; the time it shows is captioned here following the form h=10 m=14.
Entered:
h=8 m=35
